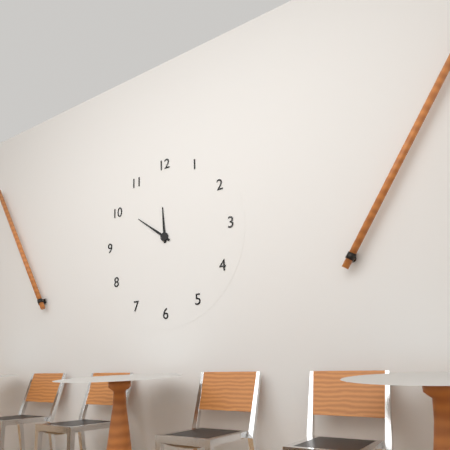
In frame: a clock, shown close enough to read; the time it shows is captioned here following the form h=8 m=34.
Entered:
h=11 m=51
